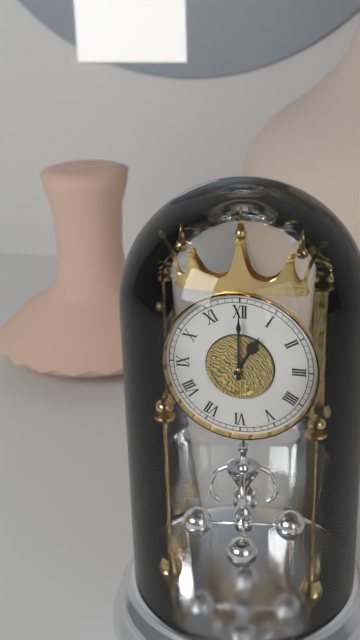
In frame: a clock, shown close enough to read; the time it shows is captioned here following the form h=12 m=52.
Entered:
h=1 m=0
